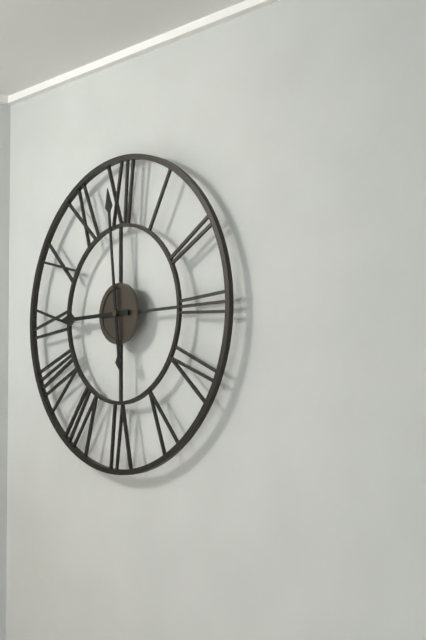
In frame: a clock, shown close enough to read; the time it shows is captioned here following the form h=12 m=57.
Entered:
h=8 m=59
